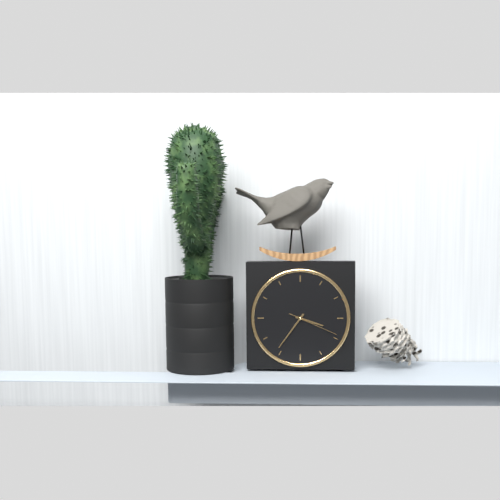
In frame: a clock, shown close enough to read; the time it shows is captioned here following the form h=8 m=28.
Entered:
h=3 m=36
